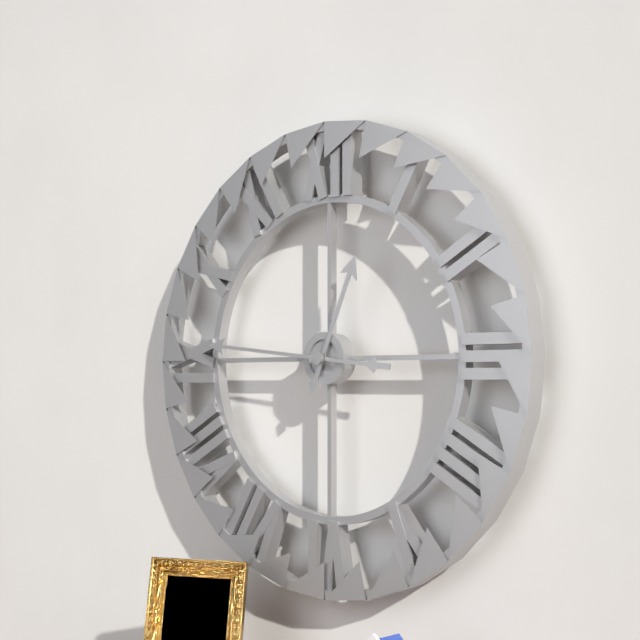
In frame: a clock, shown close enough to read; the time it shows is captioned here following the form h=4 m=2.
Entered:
h=12 m=46
